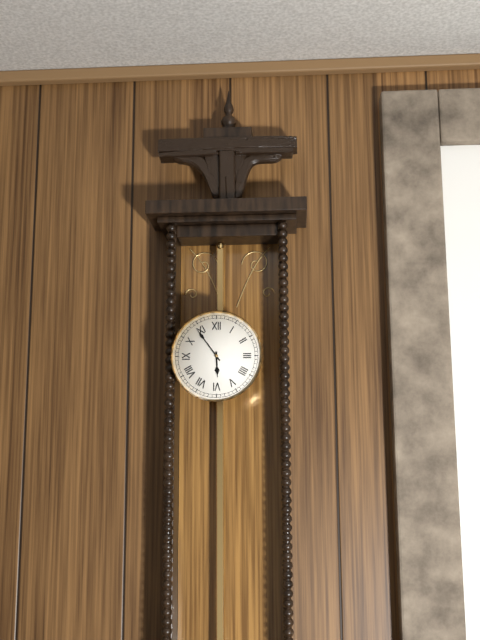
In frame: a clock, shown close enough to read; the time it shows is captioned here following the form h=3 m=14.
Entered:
h=5 m=54
